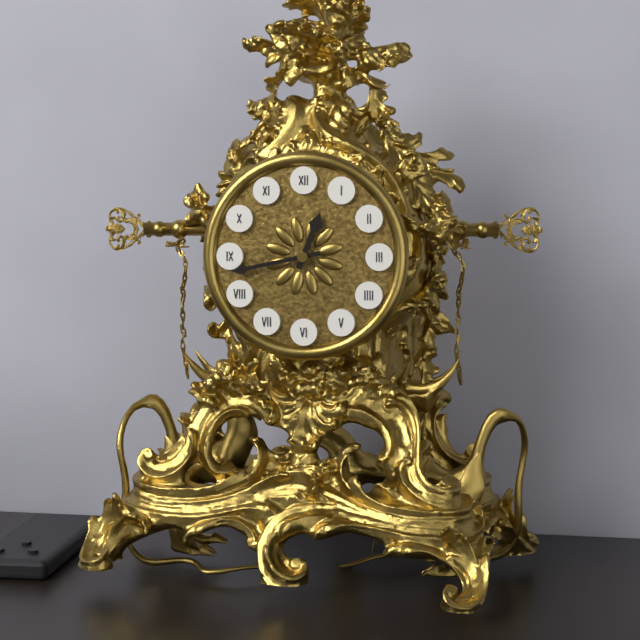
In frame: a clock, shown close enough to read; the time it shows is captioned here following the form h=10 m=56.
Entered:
h=12 m=43
